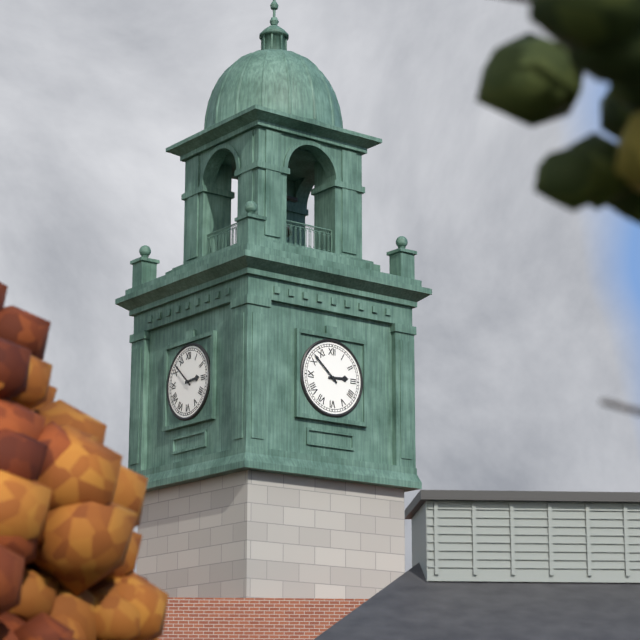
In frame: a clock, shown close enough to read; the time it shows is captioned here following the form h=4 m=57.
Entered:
h=2 m=52
